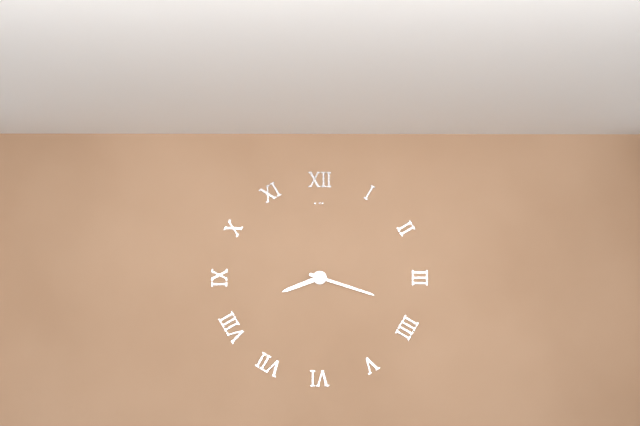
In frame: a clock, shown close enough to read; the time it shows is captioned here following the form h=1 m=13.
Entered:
h=8 m=18
